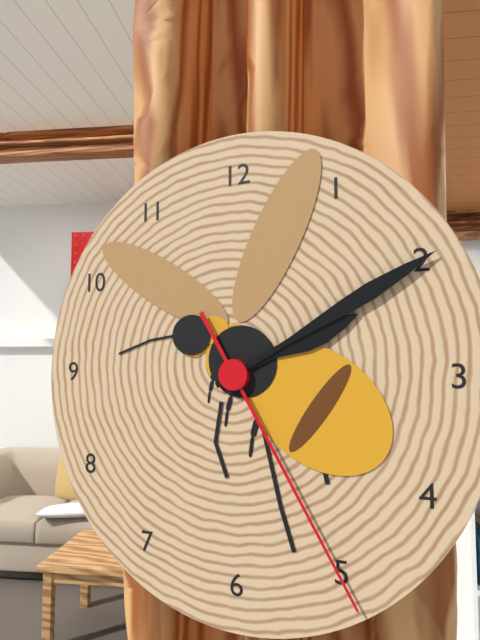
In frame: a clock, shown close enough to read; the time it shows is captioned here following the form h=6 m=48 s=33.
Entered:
h=2 m=10 s=25
